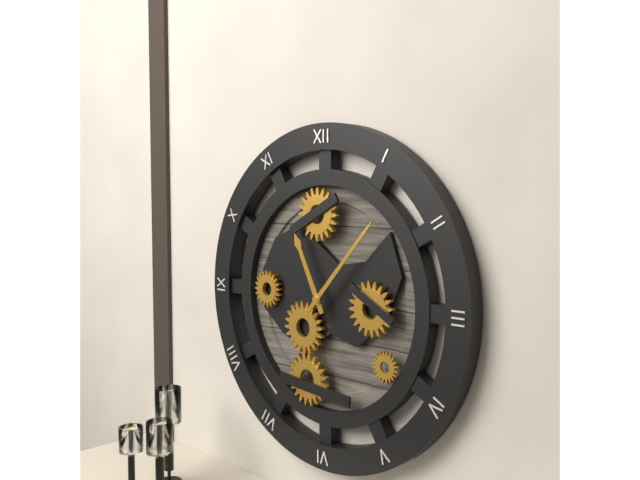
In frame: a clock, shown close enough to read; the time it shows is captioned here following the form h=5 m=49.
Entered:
h=11 m=7
